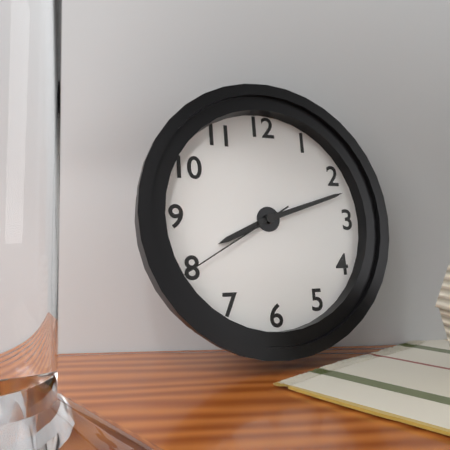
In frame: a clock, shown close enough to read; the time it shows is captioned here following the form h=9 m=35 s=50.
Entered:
h=8 m=12 s=40
